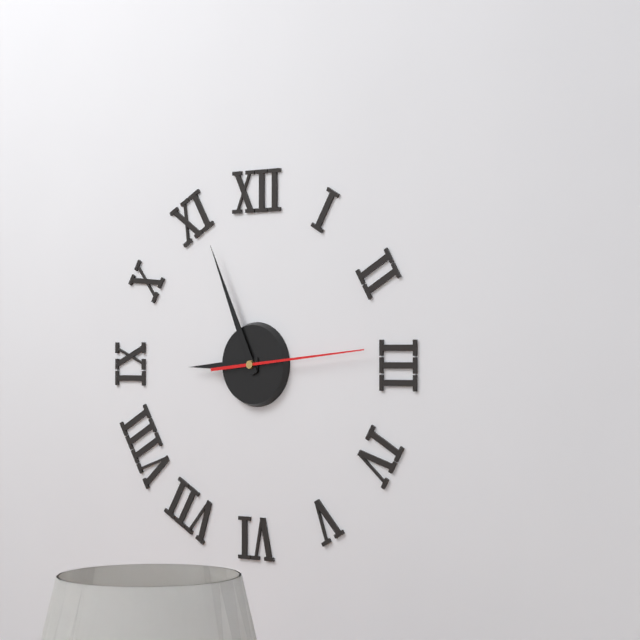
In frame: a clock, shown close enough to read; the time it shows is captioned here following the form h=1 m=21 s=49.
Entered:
h=8 m=56 s=14
